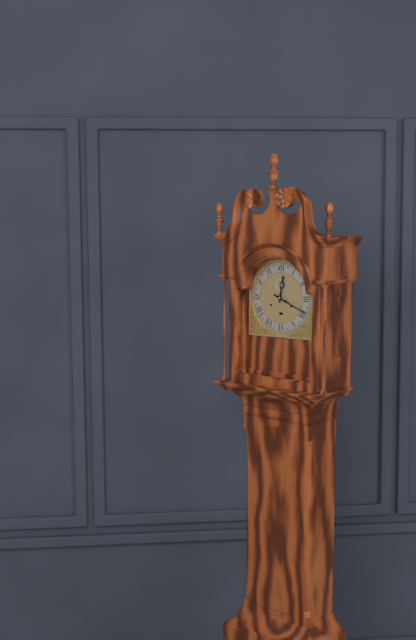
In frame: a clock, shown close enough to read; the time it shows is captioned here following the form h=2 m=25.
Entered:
h=12 m=19
